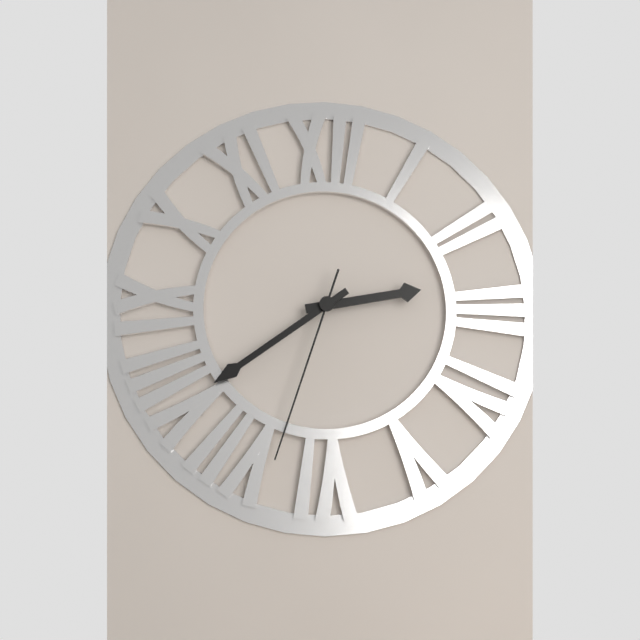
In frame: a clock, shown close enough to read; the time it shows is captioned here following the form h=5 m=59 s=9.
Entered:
h=2 m=39 s=33
